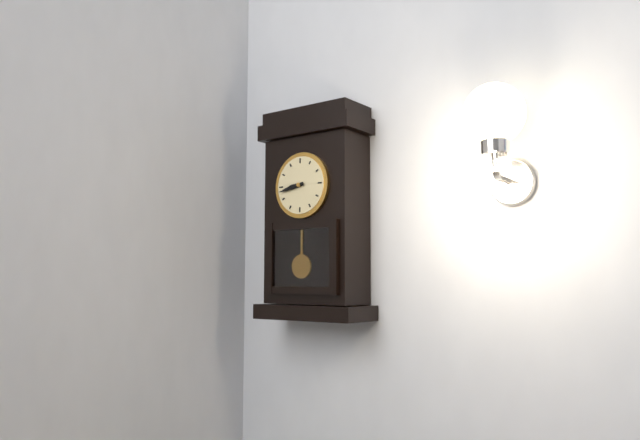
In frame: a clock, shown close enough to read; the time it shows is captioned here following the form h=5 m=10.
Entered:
h=8 m=43
